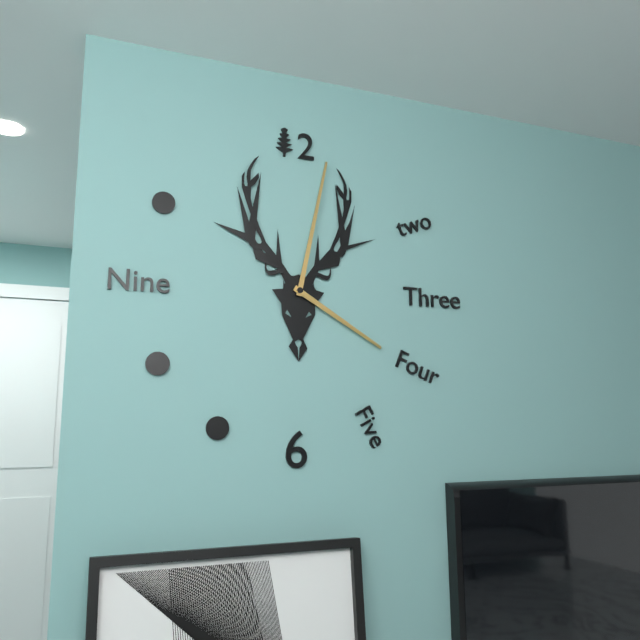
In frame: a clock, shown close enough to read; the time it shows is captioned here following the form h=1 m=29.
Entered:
h=4 m=2
